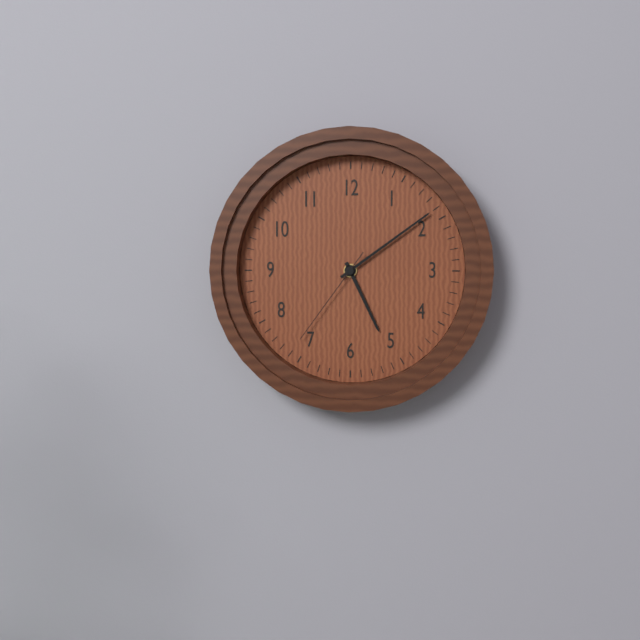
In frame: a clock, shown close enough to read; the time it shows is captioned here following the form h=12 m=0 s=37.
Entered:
h=5 m=9 s=36
